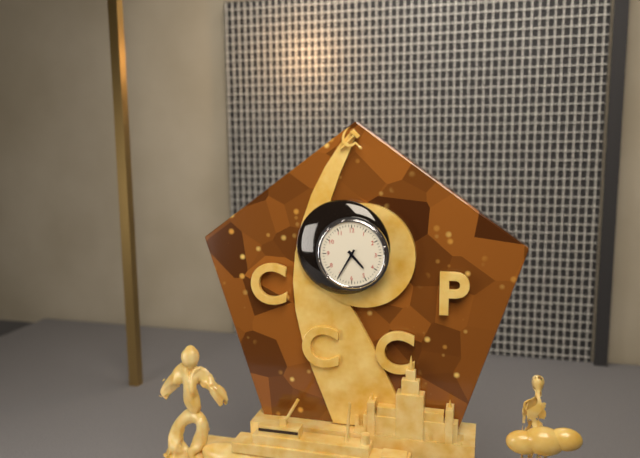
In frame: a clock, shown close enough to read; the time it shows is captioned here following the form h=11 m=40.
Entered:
h=4 m=35
